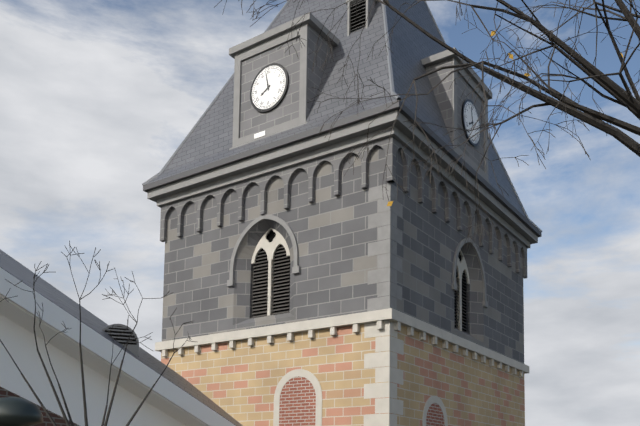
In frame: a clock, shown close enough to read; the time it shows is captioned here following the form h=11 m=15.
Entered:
h=7 m=58
